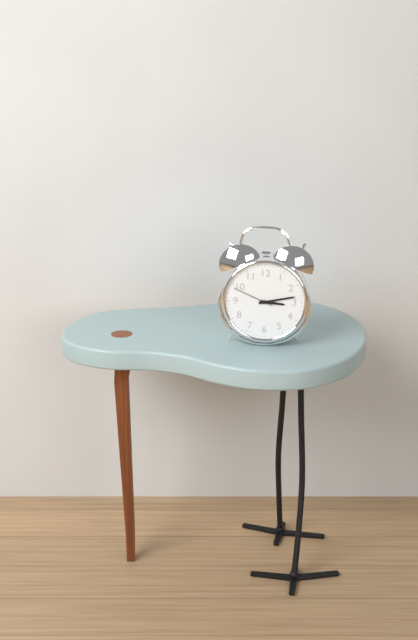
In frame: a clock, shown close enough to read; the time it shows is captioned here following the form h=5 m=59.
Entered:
h=3 m=13
